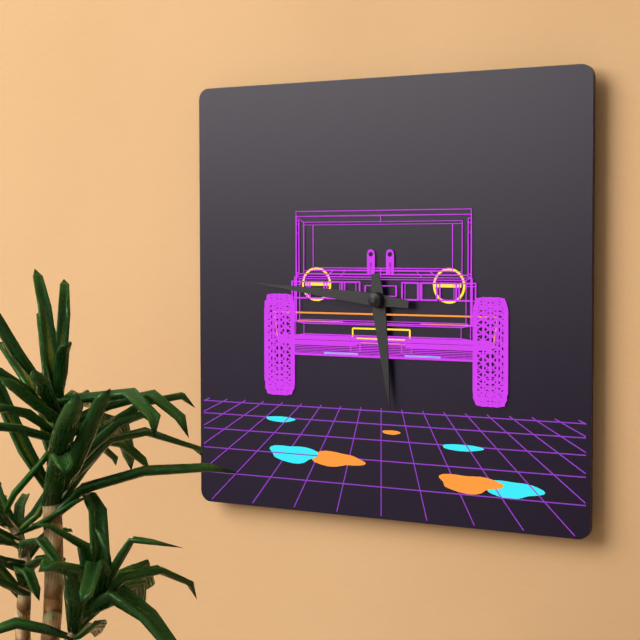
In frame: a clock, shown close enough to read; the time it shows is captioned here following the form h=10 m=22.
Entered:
h=5 m=46
